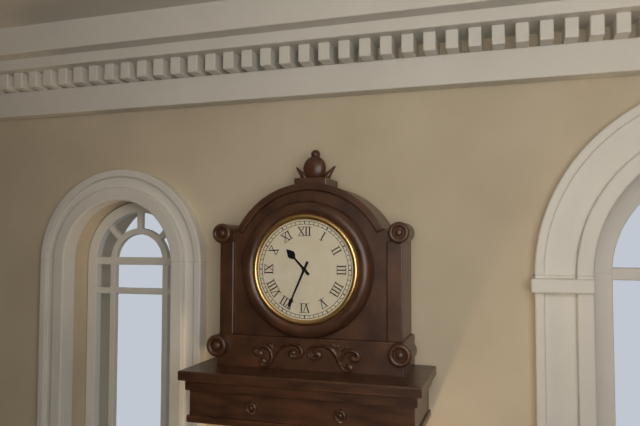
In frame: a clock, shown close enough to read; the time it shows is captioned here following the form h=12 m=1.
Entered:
h=10 m=34
